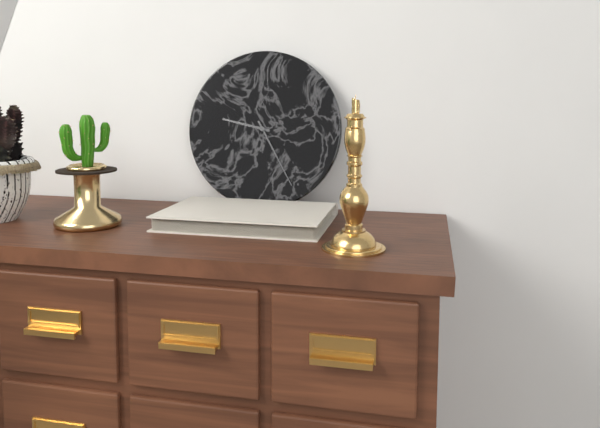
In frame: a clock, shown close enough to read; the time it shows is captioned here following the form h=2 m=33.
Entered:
h=9 m=25
